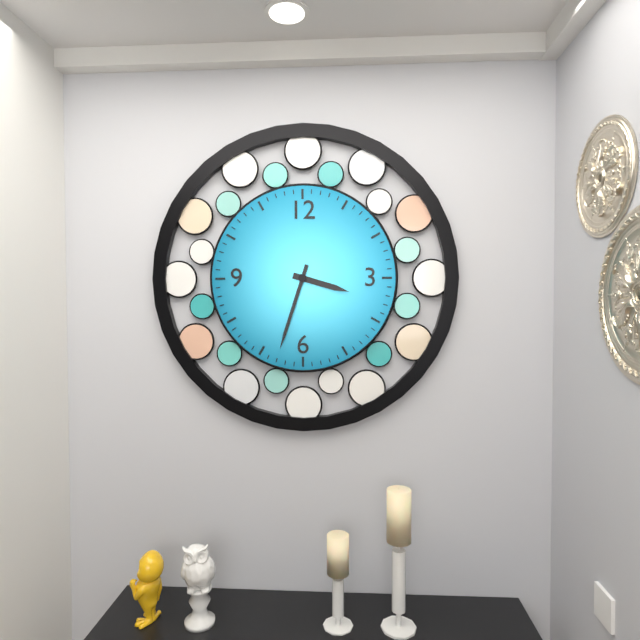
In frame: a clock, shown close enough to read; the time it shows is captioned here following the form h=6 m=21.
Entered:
h=3 m=33
